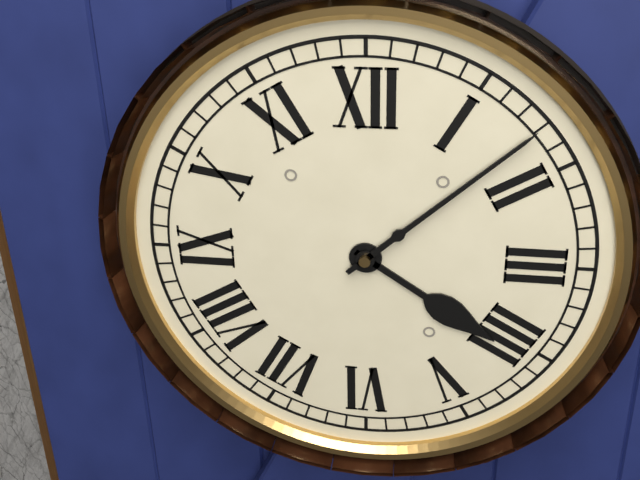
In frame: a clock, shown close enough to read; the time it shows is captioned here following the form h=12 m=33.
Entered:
h=4 m=8
